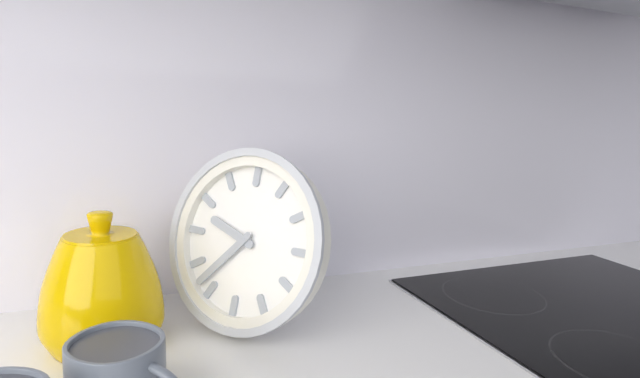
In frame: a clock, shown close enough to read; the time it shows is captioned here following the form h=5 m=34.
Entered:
h=9 m=37
